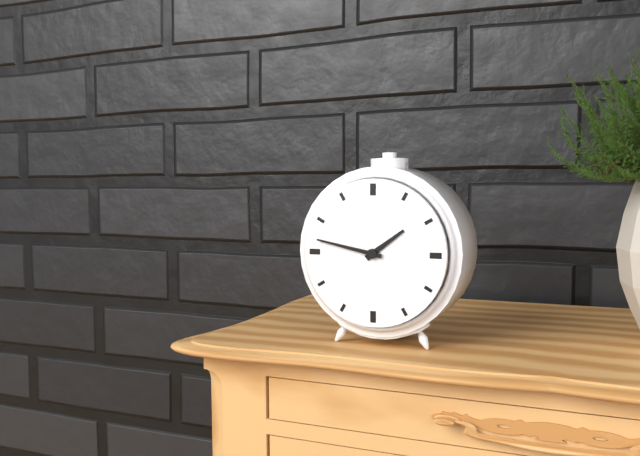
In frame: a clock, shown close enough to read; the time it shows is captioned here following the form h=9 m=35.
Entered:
h=1 m=47
